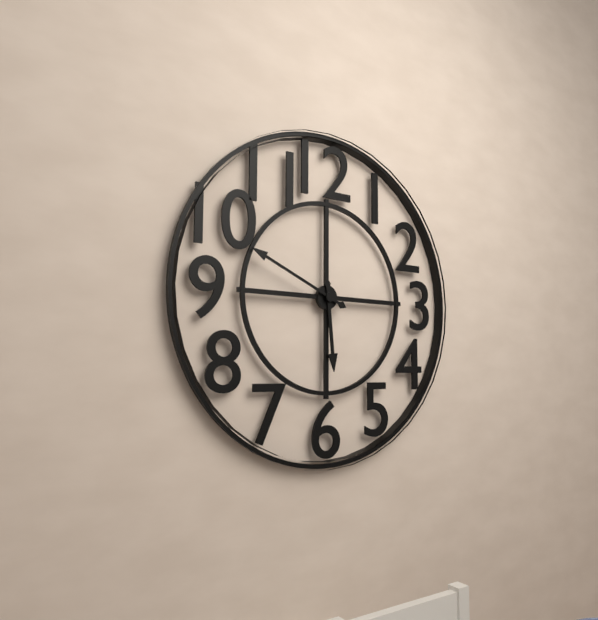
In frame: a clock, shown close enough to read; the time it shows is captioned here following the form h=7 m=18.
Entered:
h=5 m=49
